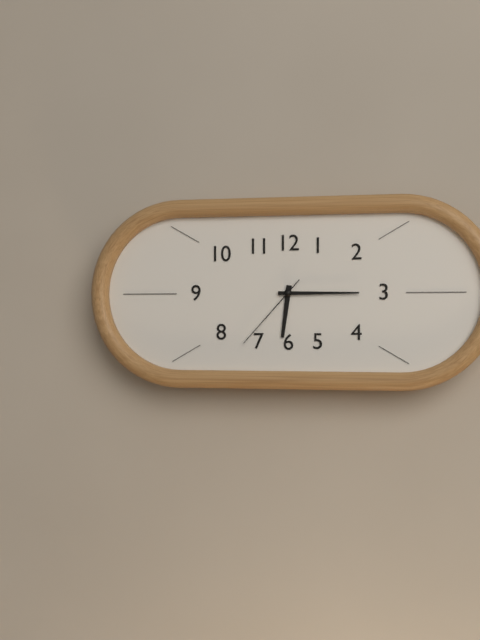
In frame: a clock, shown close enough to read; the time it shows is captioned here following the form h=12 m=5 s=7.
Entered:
h=6 m=15 s=37
